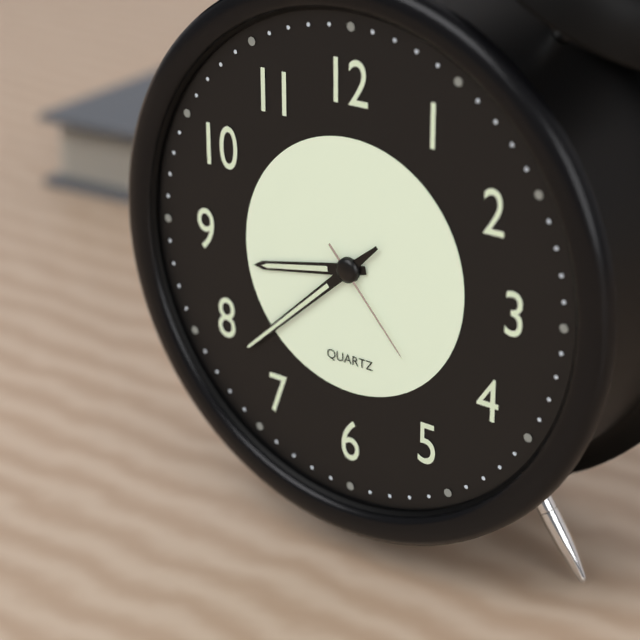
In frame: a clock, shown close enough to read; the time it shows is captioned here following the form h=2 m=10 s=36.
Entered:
h=8 m=38 s=23
